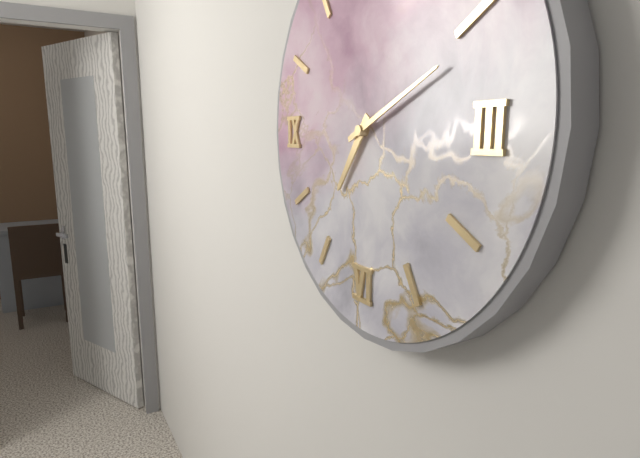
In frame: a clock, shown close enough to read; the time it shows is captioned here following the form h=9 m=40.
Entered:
h=7 m=11
